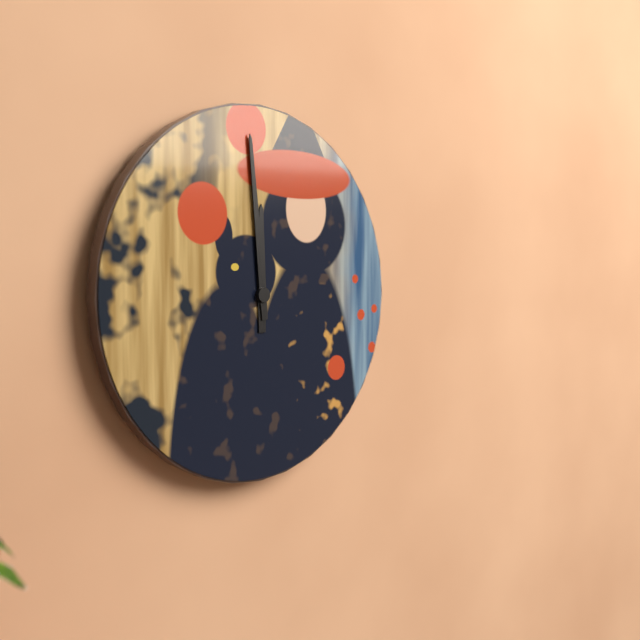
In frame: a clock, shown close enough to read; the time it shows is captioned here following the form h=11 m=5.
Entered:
h=11 m=59
